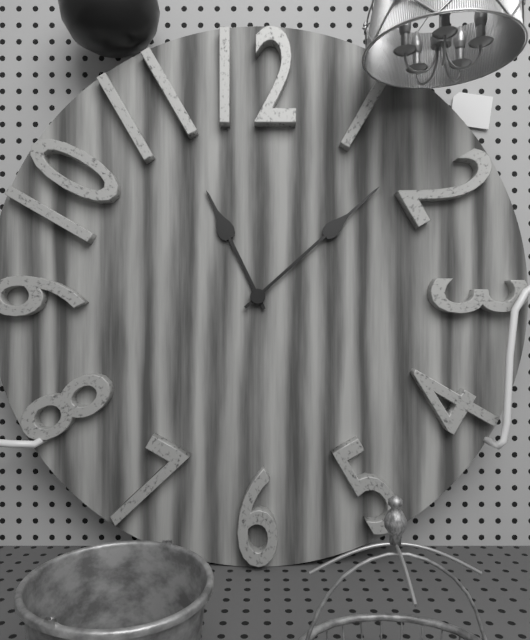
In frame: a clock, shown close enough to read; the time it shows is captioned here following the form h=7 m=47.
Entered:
h=11 m=8
